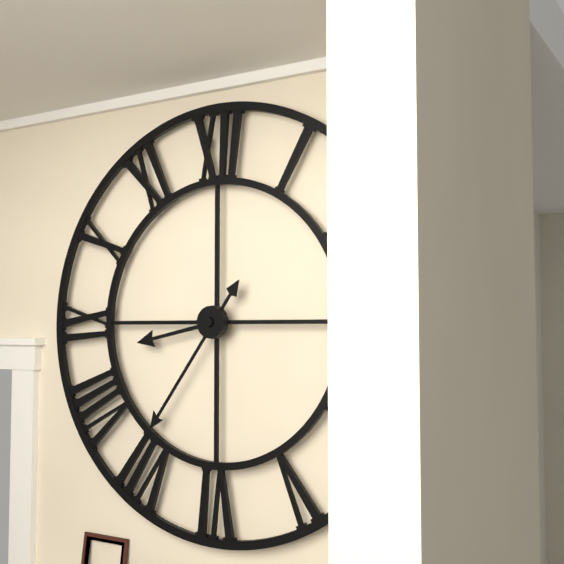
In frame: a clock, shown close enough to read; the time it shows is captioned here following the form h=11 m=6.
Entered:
h=8 m=36
